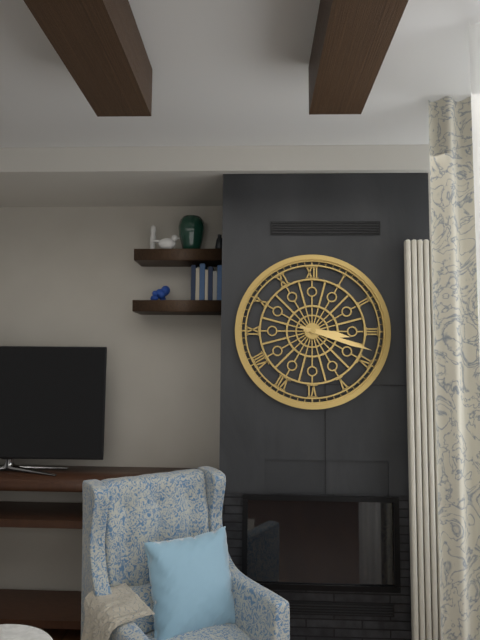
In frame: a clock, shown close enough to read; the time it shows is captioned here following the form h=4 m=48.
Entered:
h=3 m=18
